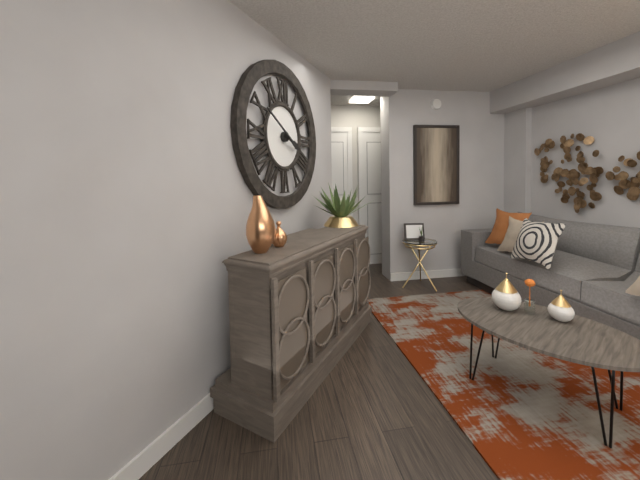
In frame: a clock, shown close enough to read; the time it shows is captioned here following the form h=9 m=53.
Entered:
h=3 m=50
